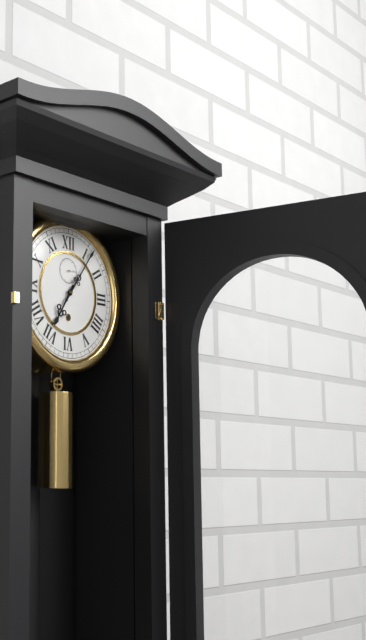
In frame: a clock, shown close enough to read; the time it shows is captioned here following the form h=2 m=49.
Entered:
h=7 m=6
